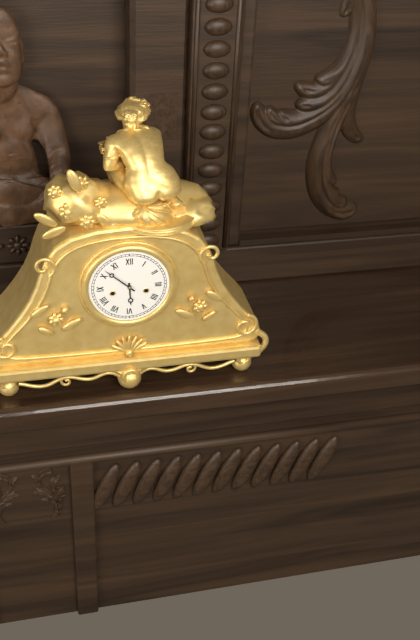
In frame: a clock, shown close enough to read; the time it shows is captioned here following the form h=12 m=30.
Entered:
h=5 m=52
